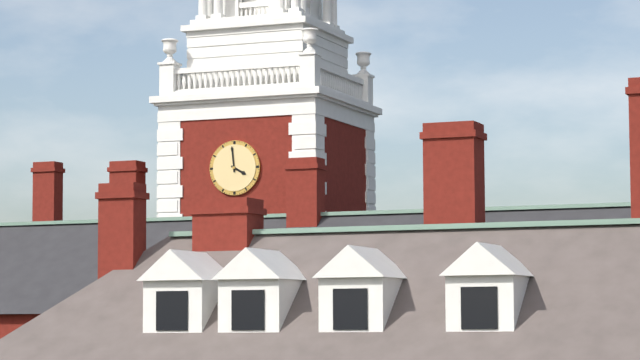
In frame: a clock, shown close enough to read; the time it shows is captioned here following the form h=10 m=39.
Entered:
h=3 m=59
